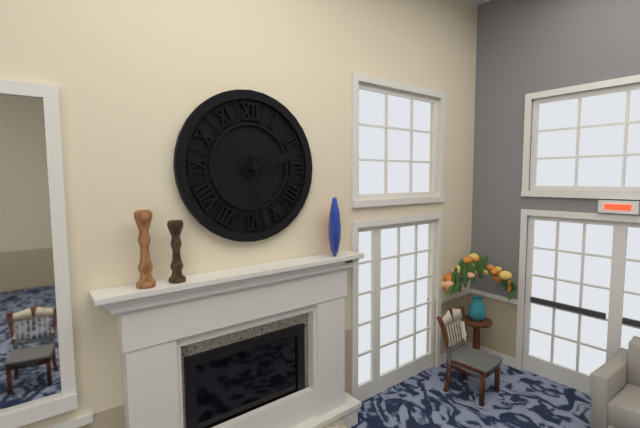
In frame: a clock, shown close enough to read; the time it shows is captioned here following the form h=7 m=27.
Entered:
h=2 m=28
